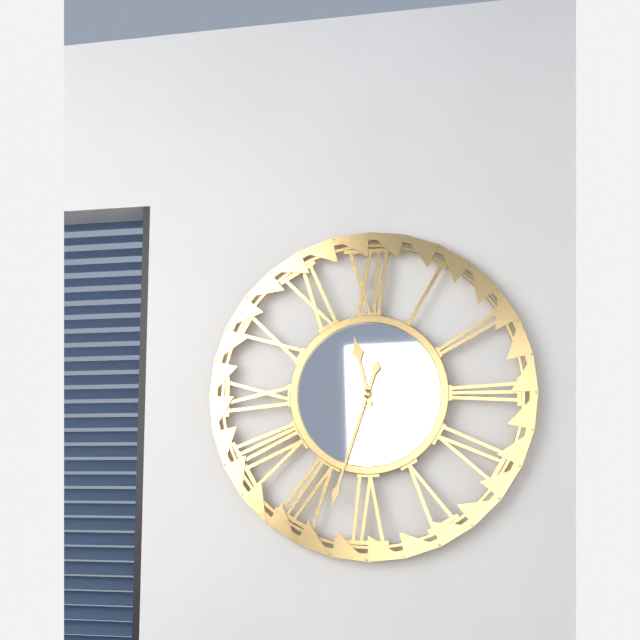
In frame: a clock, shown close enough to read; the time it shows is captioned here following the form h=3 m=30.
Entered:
h=11 m=33
